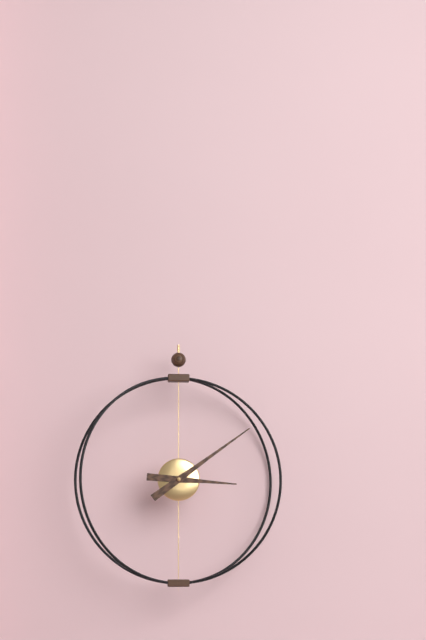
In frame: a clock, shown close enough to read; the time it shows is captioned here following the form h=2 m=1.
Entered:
h=3 m=9
